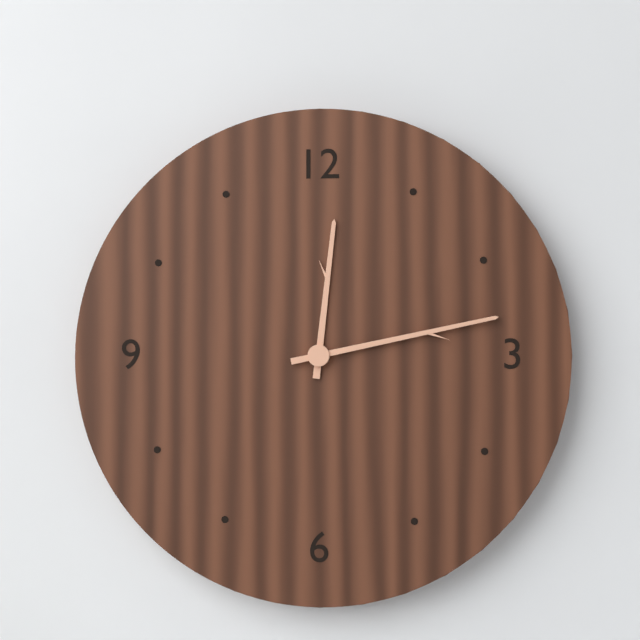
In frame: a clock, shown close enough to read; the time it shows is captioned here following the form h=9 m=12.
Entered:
h=12 m=13
